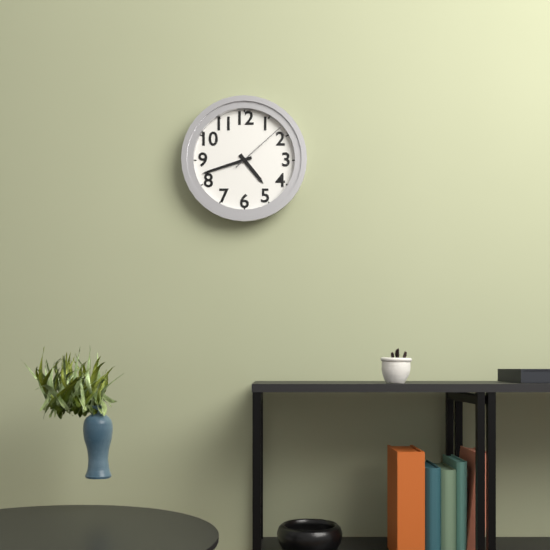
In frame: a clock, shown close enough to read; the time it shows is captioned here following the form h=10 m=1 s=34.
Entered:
h=4 m=42 s=8
